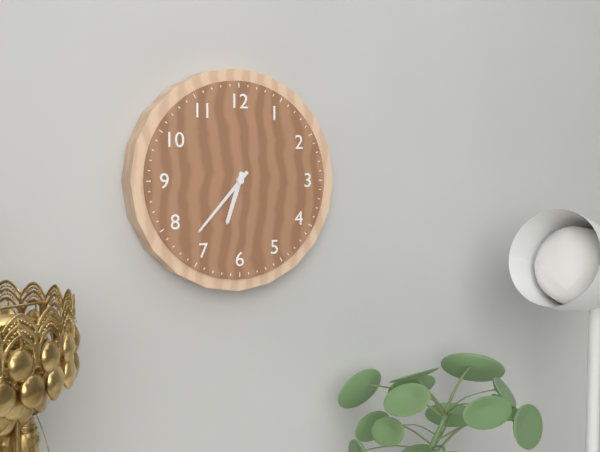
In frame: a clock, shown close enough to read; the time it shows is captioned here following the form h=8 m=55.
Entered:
h=6 m=37
